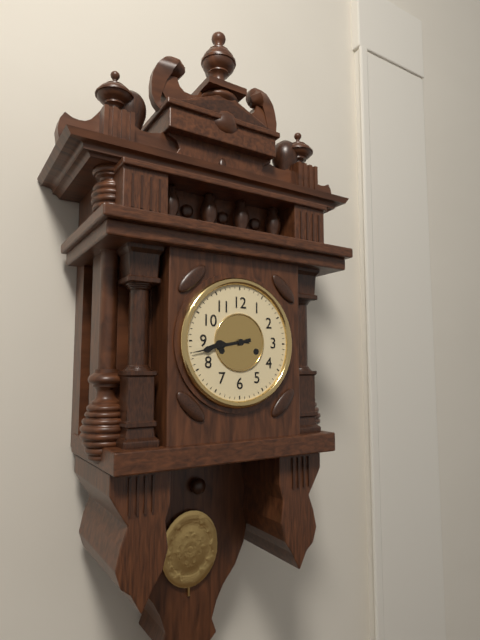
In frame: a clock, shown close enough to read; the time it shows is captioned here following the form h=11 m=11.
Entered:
h=8 m=43
